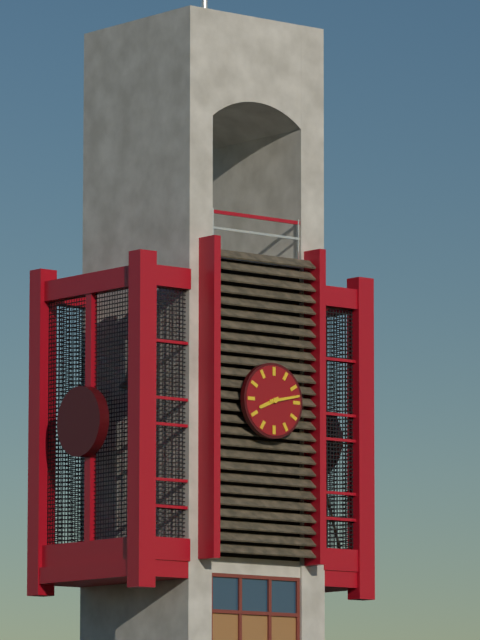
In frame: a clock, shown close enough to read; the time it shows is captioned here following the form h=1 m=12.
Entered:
h=8 m=13
